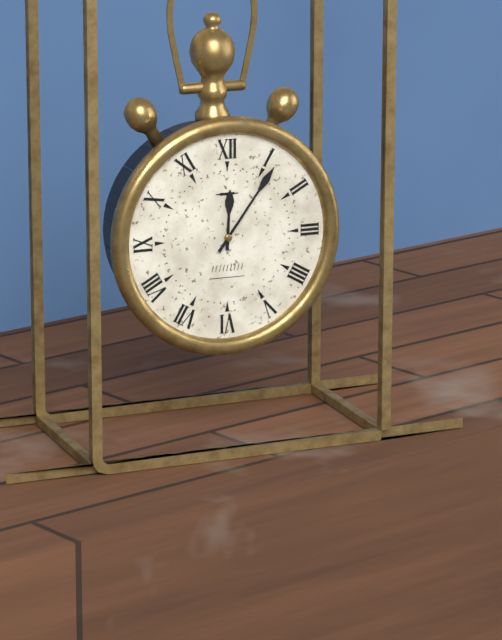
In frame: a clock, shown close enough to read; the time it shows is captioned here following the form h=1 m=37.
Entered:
h=12 m=6
